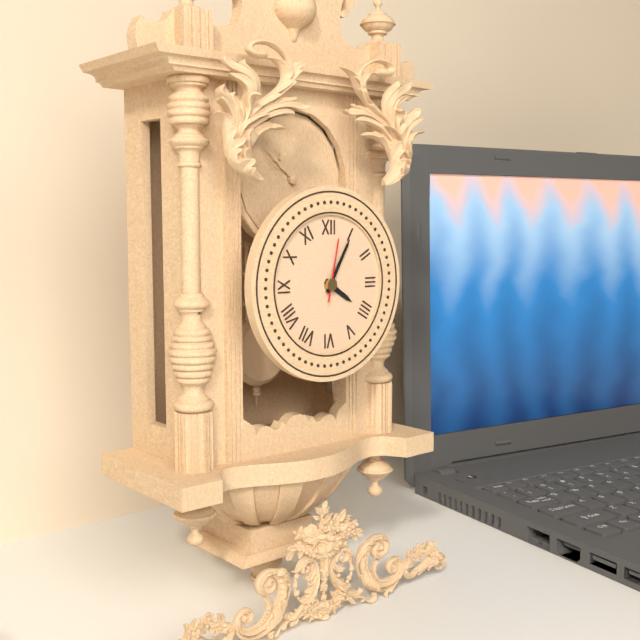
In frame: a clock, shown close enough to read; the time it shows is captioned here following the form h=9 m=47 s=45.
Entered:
h=4 m=5 s=2
